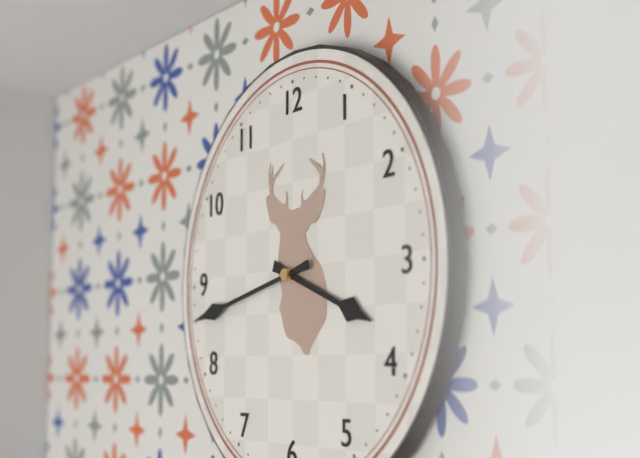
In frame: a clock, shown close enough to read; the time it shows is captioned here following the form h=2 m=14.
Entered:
h=3 m=43
